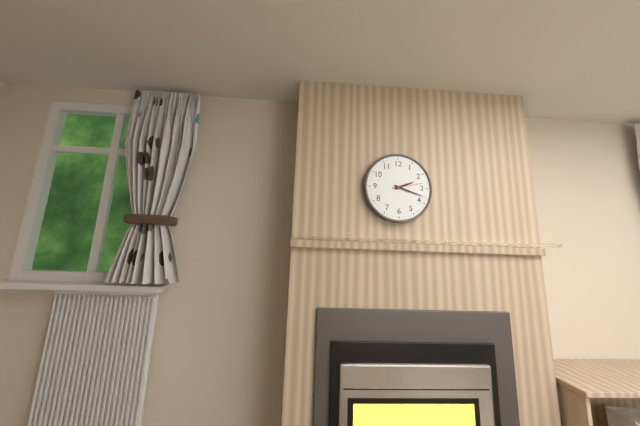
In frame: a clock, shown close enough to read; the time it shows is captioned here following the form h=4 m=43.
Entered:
h=2 m=18
